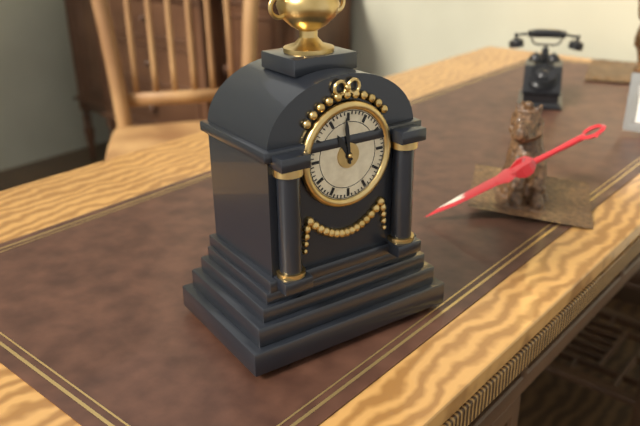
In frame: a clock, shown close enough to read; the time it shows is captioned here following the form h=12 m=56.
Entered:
h=10 m=59
